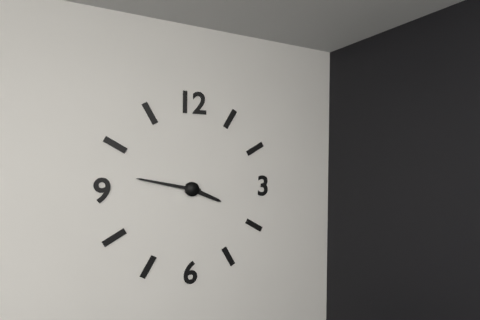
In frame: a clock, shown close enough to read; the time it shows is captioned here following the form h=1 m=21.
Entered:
h=3 m=47
